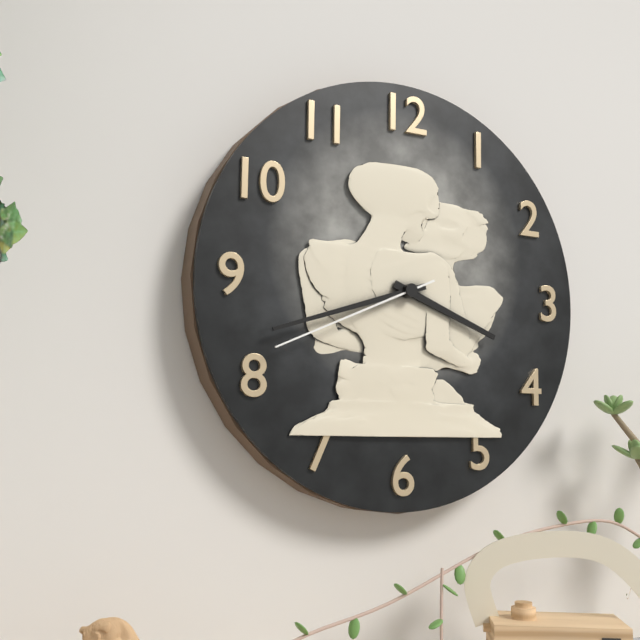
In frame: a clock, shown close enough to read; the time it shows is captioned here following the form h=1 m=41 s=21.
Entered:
h=3 m=42 s=41
